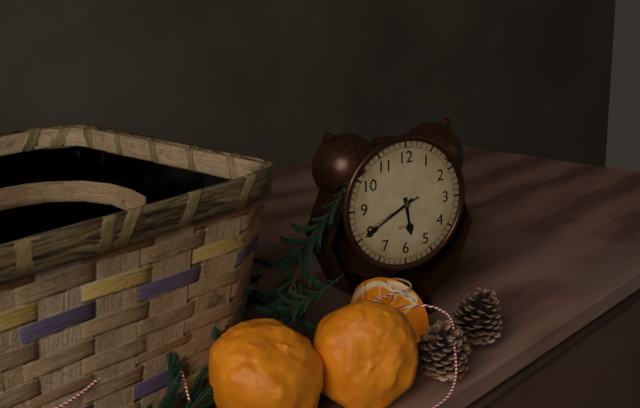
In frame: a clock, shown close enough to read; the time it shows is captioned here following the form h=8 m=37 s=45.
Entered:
h=5 m=40 s=41
